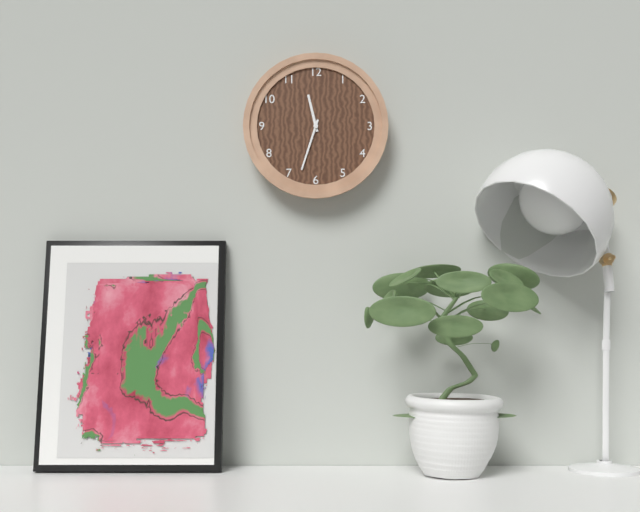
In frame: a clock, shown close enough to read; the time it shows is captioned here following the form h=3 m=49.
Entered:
h=11 m=33
